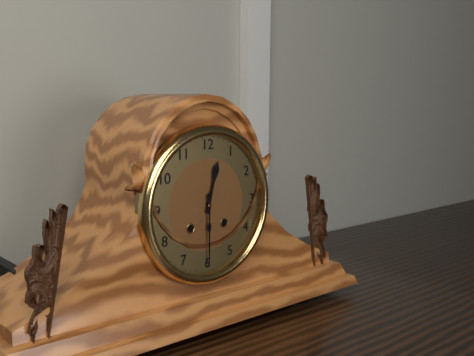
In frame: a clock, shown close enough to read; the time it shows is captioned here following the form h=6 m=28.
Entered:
h=12 m=30
